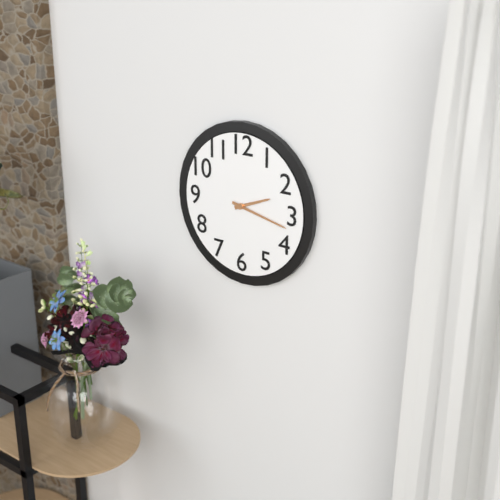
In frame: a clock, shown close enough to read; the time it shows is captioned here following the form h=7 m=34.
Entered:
h=2 m=17
